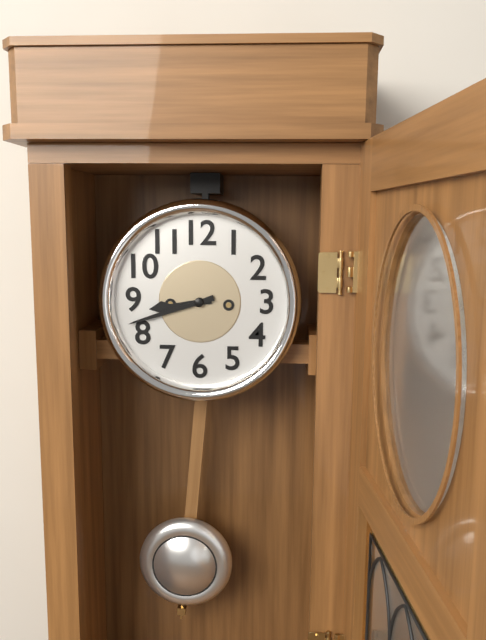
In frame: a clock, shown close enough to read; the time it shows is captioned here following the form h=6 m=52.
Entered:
h=8 m=42
